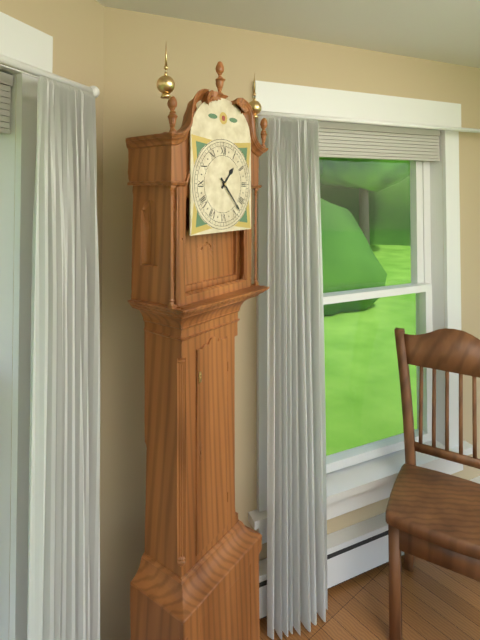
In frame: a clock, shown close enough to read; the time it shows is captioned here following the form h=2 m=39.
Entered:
h=1 m=23
